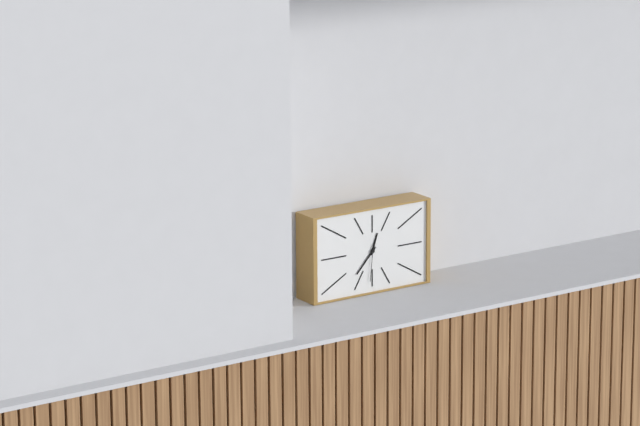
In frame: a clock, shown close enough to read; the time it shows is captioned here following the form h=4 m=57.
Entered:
h=12 m=37
